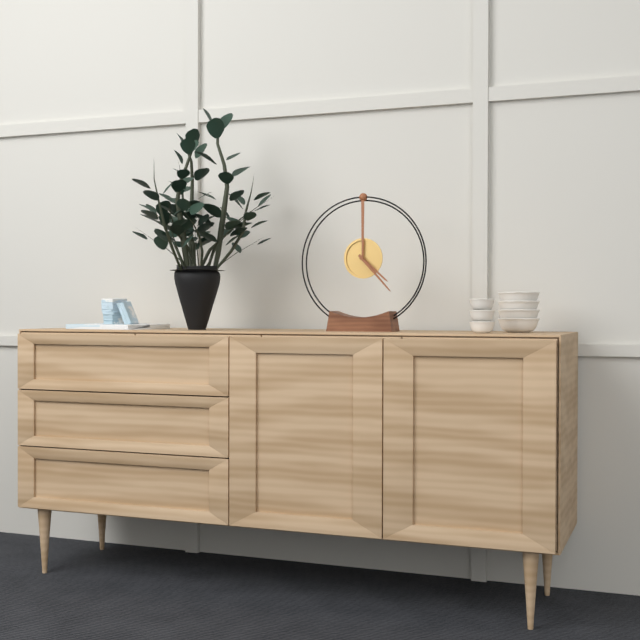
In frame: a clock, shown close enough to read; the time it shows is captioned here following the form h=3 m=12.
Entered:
h=4 m=23
